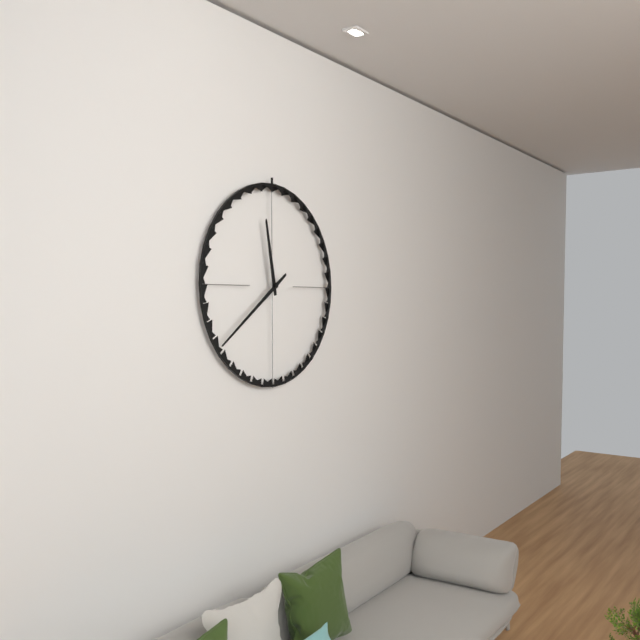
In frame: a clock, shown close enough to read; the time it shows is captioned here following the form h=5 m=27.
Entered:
h=11 m=39
